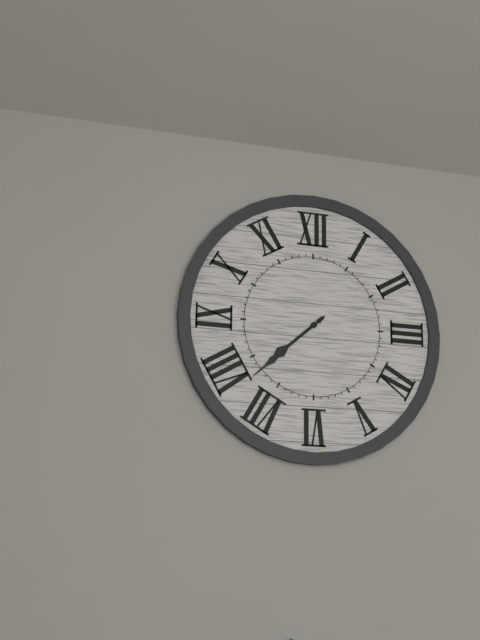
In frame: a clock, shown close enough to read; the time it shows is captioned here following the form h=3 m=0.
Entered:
h=7 m=38
